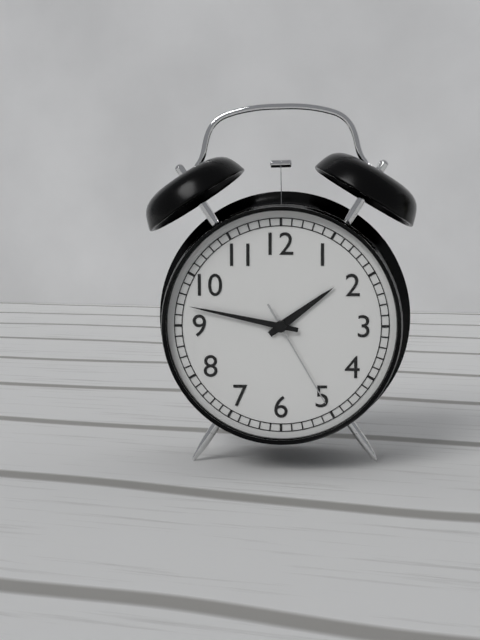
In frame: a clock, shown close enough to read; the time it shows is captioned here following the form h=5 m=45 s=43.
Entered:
h=1 m=47 s=25
